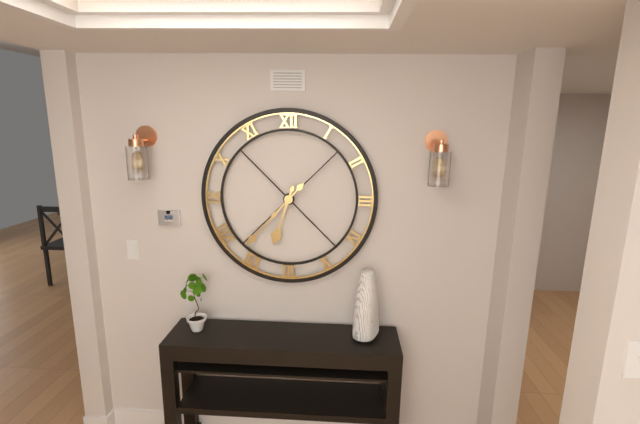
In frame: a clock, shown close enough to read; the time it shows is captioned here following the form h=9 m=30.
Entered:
h=6 m=37
